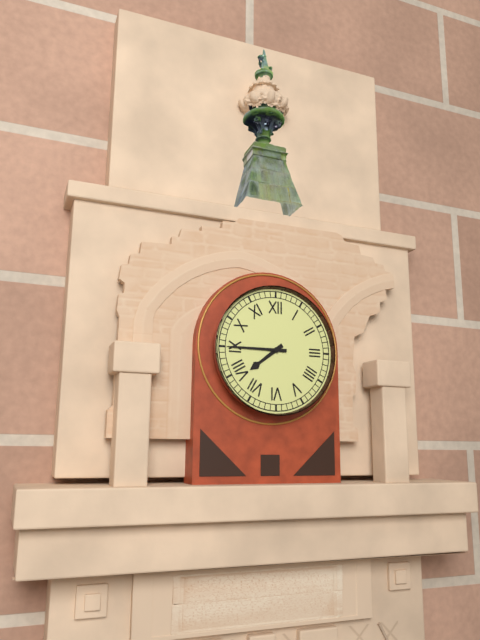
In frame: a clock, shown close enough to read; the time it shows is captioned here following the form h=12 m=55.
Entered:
h=7 m=45
